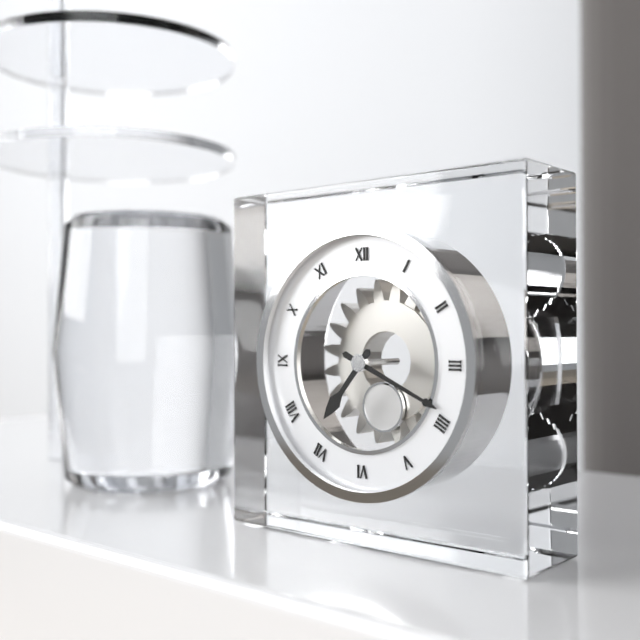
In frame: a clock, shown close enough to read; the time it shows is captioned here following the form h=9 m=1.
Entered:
h=7 m=19
